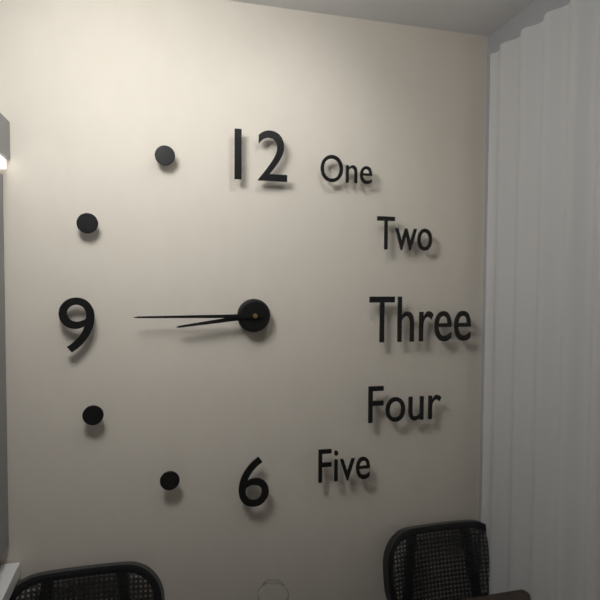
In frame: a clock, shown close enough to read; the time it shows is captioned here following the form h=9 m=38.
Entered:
h=8 m=45
